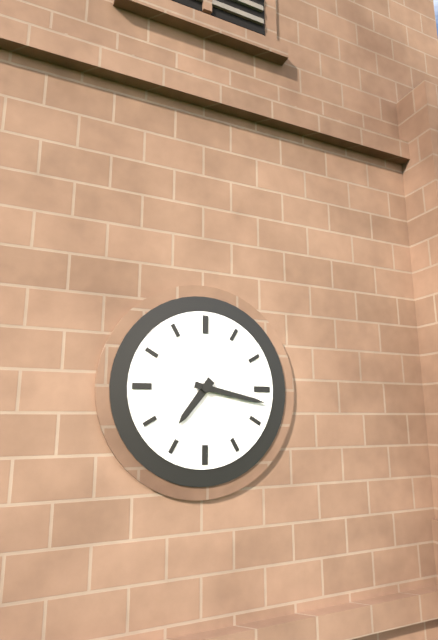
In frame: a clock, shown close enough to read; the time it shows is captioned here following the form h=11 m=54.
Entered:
h=7 m=17
